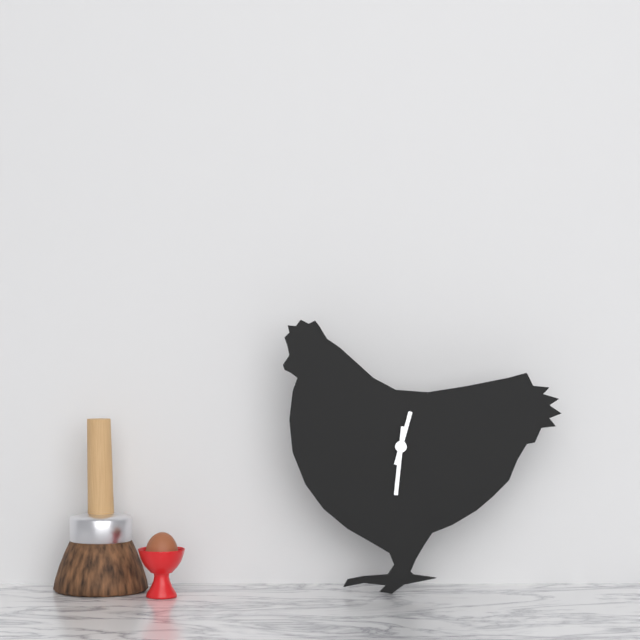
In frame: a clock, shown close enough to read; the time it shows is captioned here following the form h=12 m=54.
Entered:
h=12 m=31
